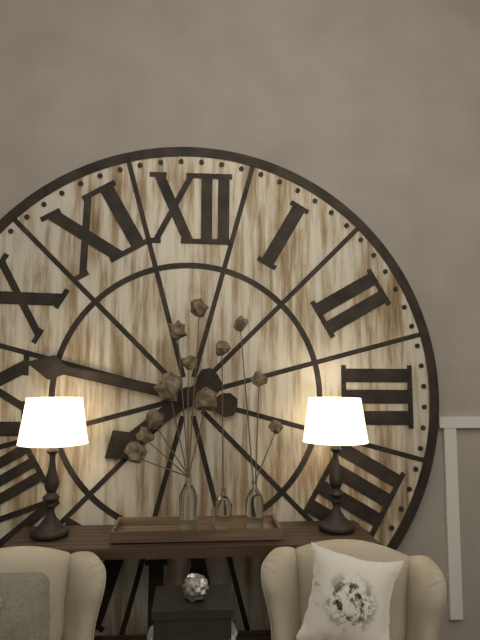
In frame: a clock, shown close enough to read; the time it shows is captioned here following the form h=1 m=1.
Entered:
h=7 m=47
